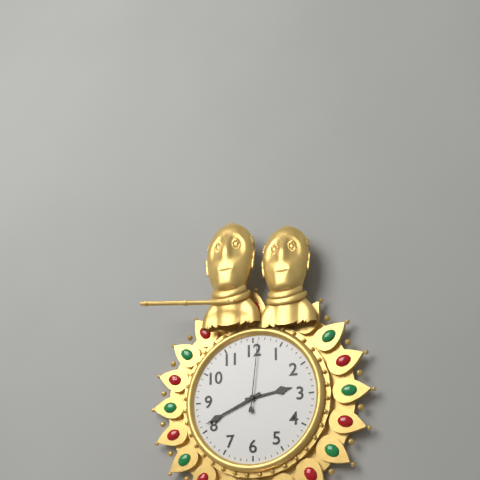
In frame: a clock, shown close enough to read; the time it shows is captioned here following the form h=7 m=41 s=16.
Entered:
h=2 m=41 s=1
